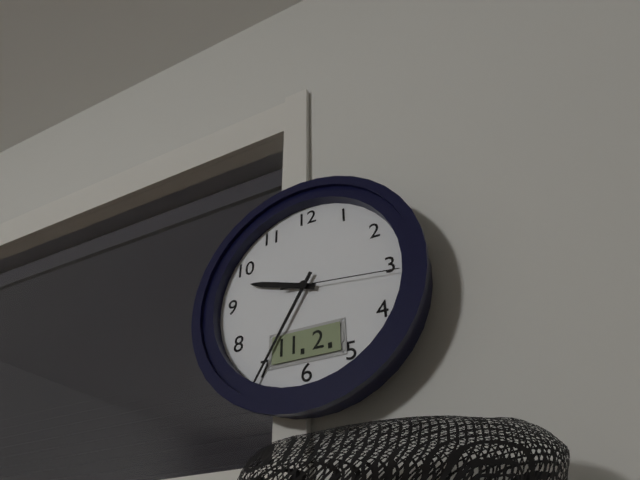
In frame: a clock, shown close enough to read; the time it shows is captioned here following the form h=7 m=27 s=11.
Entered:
h=9 m=35 s=16
